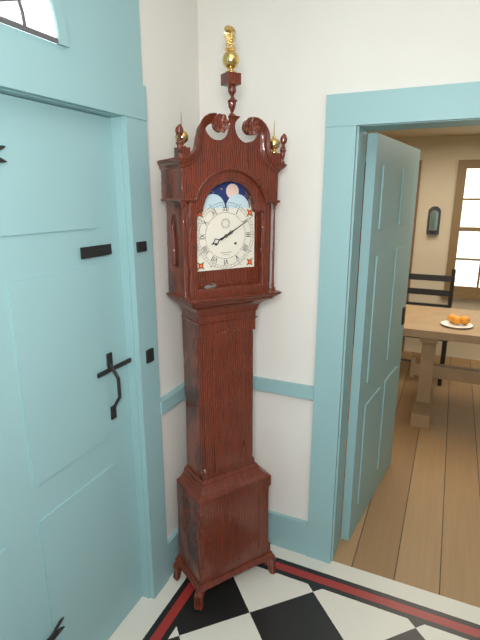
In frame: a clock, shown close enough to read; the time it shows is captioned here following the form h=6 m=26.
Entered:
h=8 m=10
